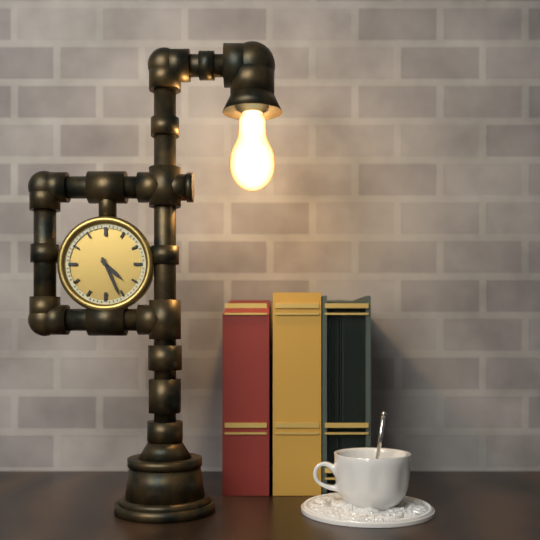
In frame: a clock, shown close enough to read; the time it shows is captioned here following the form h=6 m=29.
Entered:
h=4 m=26
